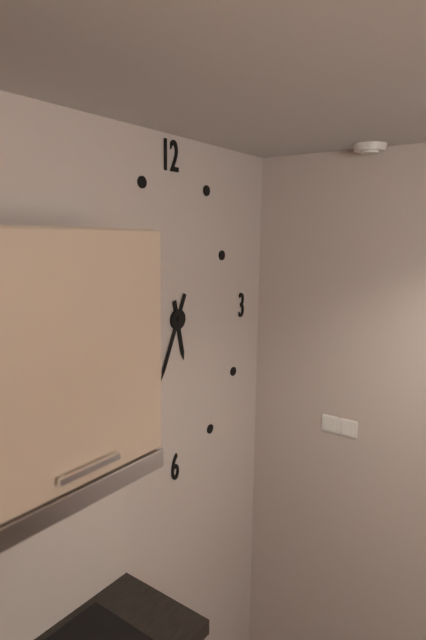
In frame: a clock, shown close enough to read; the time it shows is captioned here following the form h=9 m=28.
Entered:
h=5 m=34
